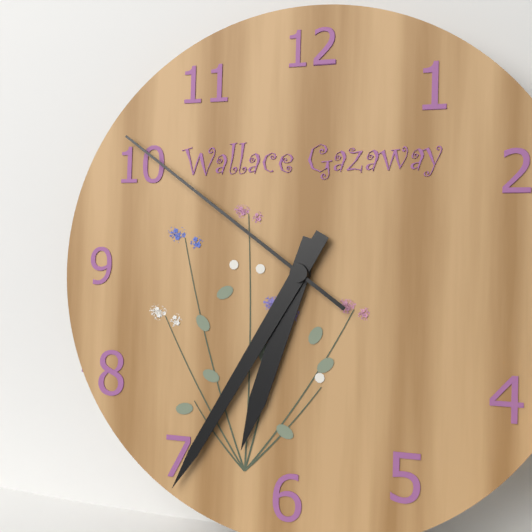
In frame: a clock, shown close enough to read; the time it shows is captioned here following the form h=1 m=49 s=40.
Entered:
h=6 m=35 s=51
